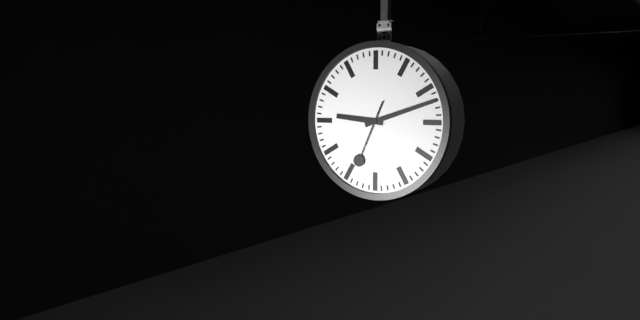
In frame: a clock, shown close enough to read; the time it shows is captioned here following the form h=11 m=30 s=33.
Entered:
h=9 m=12 s=34
